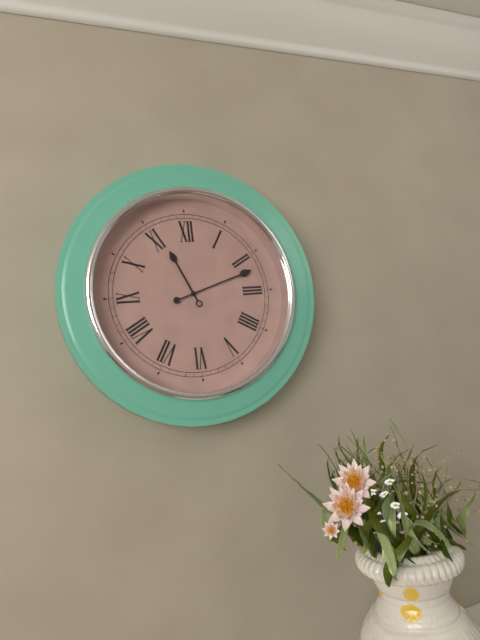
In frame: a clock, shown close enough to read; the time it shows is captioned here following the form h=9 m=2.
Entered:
h=11 m=12
